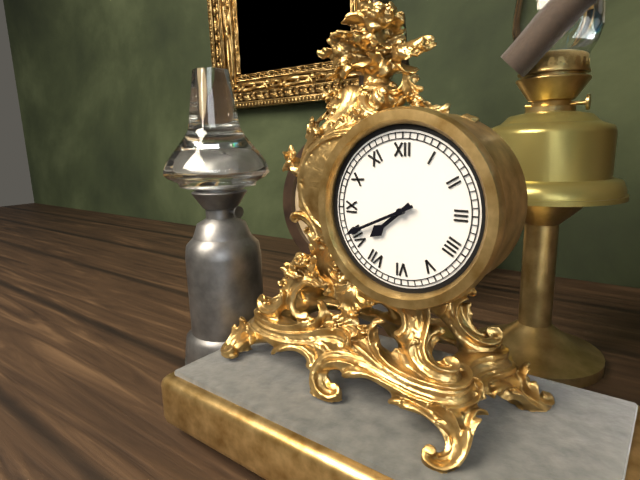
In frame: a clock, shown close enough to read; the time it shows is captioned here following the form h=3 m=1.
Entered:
h=7 m=41
